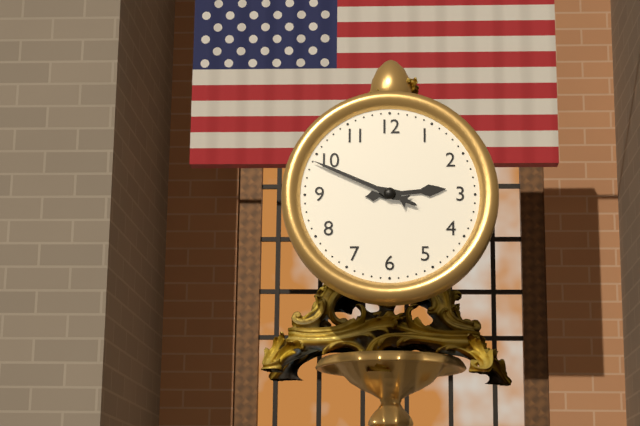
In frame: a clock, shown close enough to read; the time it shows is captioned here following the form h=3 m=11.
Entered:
h=2 m=49
